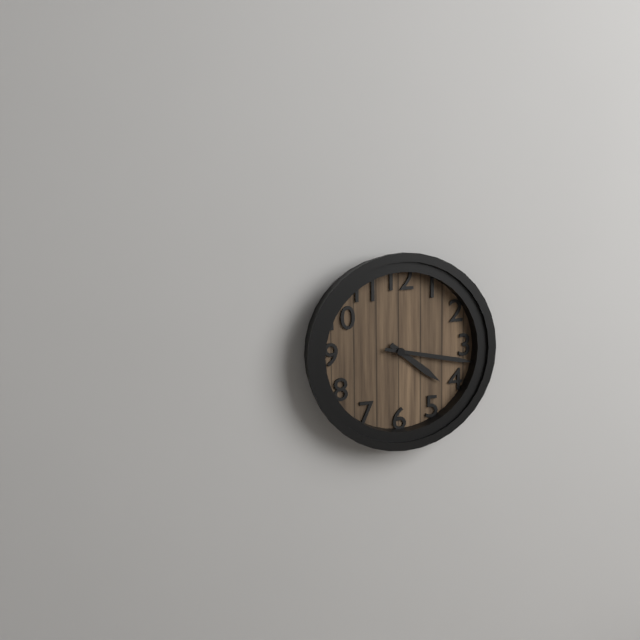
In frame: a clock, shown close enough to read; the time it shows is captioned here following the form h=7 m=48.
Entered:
h=4 m=17
